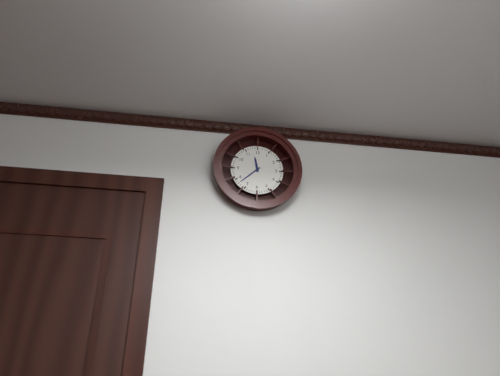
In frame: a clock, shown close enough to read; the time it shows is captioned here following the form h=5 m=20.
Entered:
h=11 m=38
